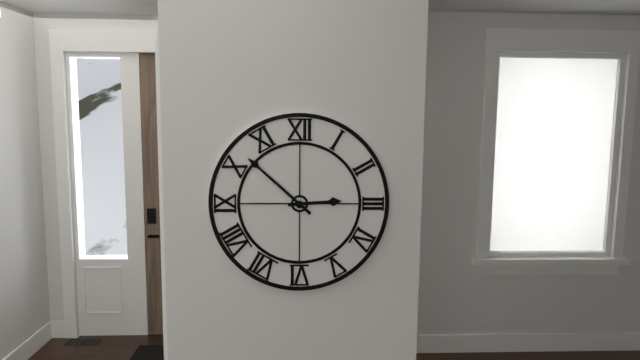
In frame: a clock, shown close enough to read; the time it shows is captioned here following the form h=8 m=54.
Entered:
h=2 m=52
